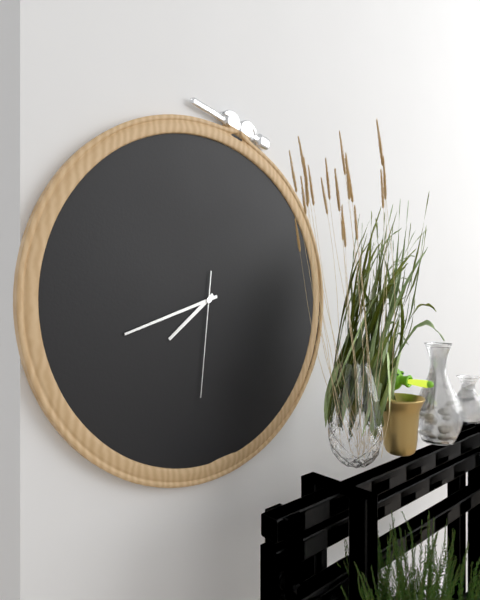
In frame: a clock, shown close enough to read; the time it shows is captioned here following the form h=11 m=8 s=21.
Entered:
h=7 m=42 s=31
